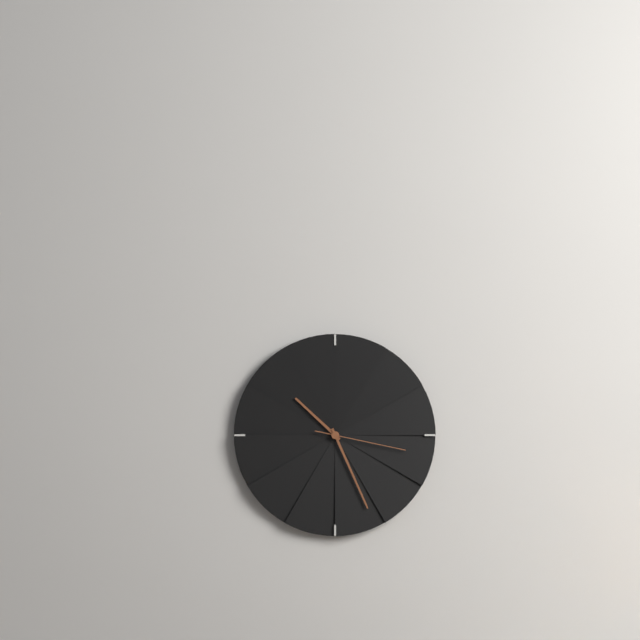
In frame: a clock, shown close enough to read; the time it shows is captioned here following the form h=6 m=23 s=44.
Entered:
h=10 m=26 s=17
